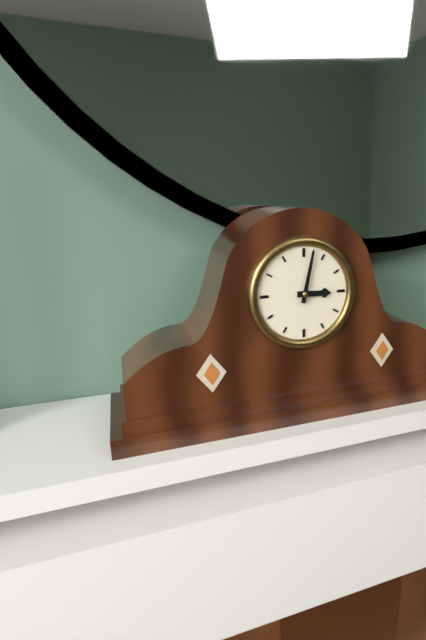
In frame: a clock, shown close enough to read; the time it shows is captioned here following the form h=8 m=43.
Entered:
h=3 m=2
